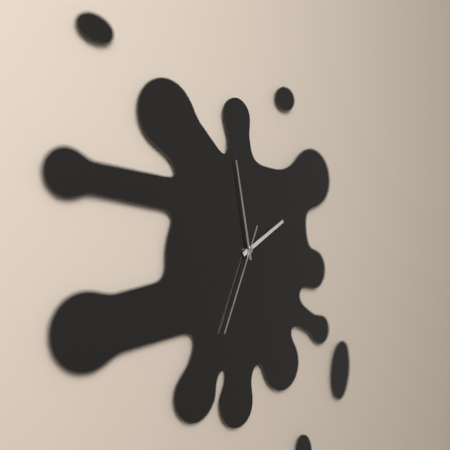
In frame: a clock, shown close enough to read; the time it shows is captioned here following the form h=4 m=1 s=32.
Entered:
h=1 m=58 s=34
